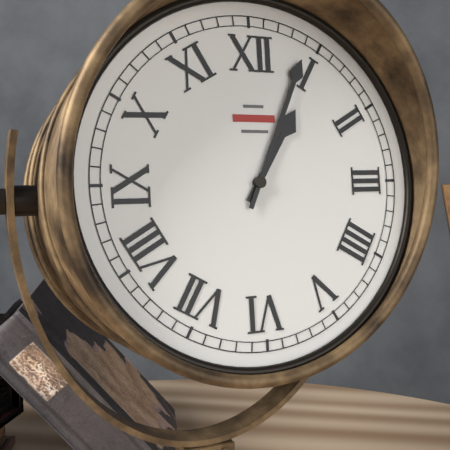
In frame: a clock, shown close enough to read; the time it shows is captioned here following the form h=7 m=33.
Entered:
h=1 m=4
